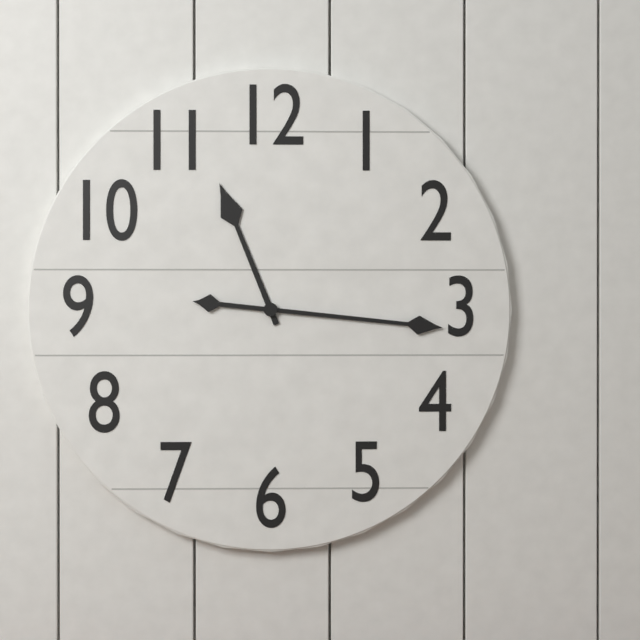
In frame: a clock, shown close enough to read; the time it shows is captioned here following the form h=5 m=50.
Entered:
h=11 m=16
